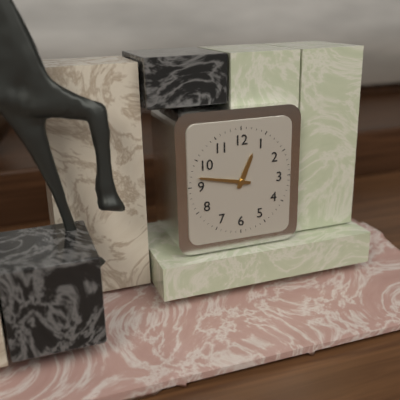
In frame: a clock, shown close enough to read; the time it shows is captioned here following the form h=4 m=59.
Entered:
h=12 m=47
